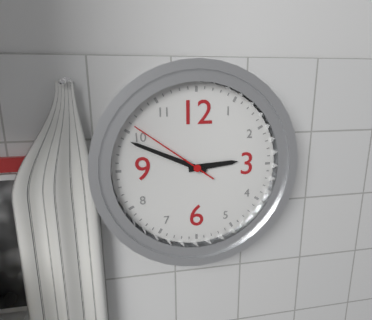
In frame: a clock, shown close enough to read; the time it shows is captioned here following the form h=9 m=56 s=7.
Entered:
h=2 m=49 s=51
